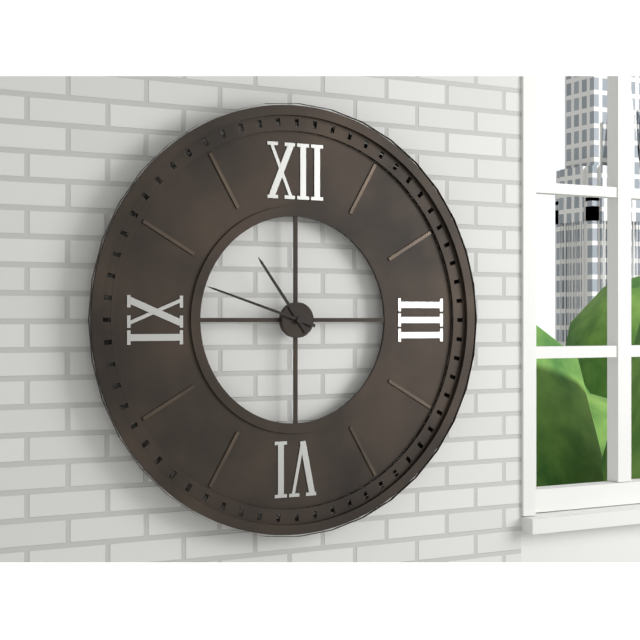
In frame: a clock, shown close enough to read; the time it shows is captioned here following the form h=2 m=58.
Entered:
h=10 m=48
